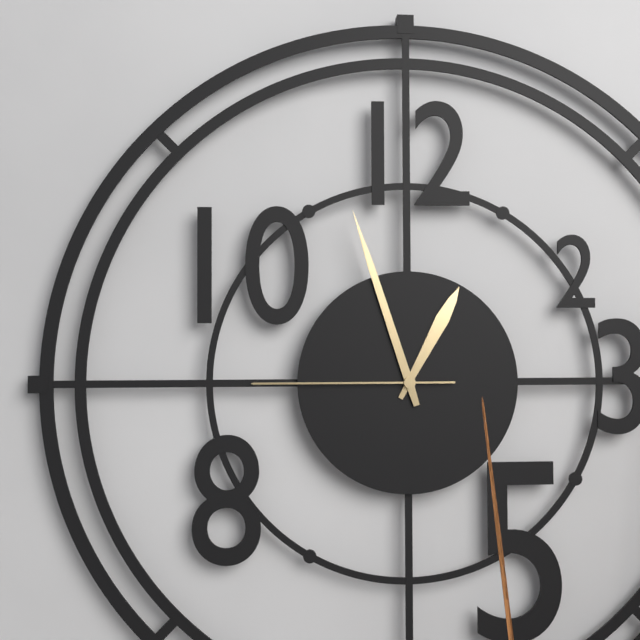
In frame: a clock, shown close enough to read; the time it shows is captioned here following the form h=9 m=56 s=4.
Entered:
h=12 m=57 s=45
